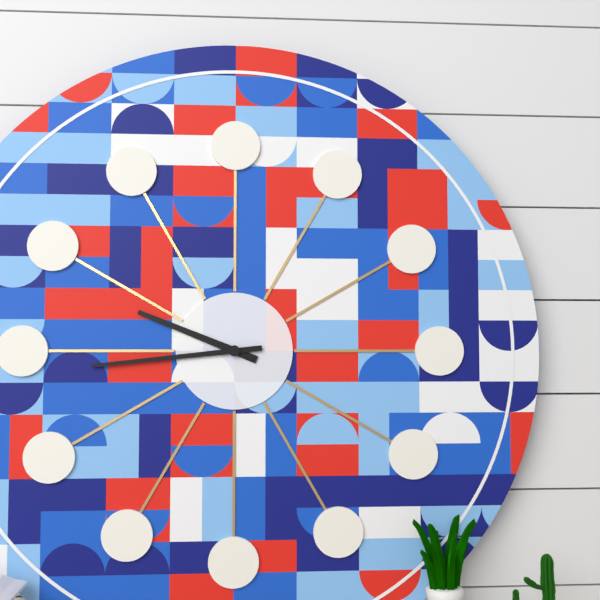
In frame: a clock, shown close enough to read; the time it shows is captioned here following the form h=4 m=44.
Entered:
h=9 m=44
